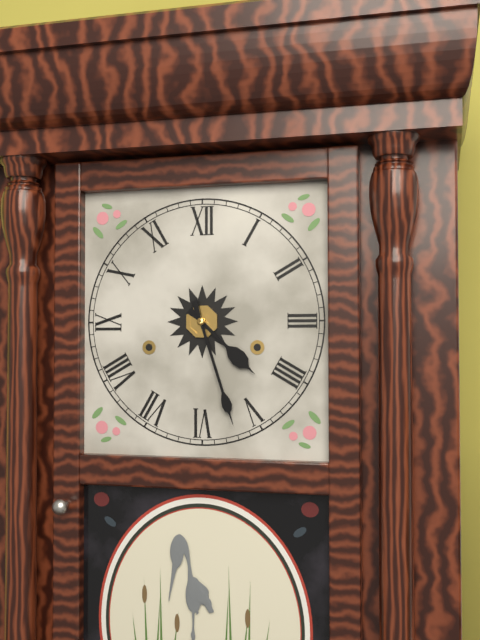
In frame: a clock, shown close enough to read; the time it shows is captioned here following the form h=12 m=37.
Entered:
h=4 m=27
